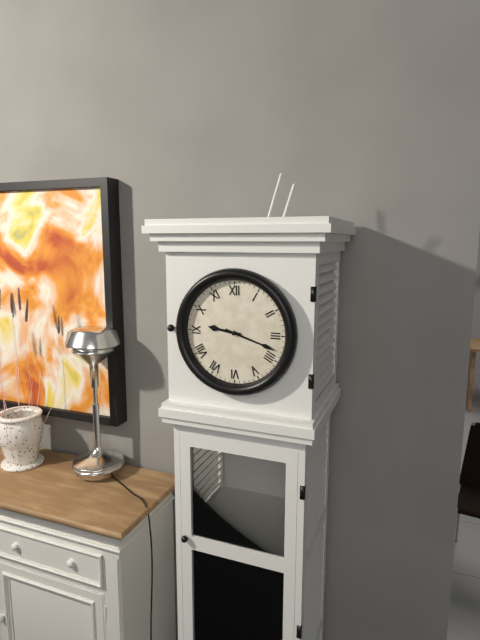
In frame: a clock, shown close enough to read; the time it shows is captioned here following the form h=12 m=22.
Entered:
h=9 m=18
